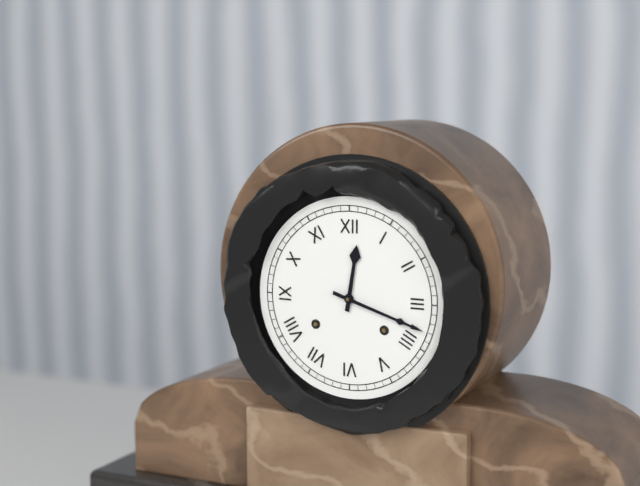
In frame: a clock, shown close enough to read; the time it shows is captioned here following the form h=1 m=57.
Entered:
h=12 m=18
